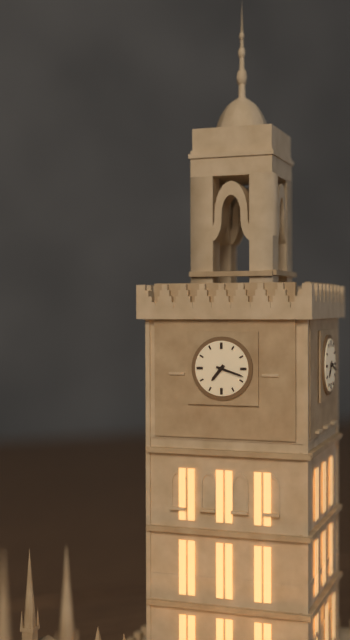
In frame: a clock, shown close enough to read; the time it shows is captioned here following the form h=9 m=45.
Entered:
h=7 m=18
